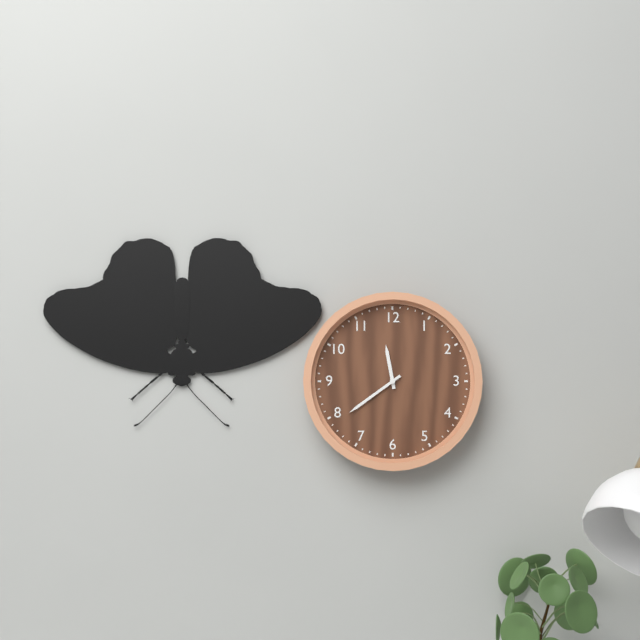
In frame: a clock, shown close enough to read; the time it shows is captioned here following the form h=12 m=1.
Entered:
h=11 m=39
